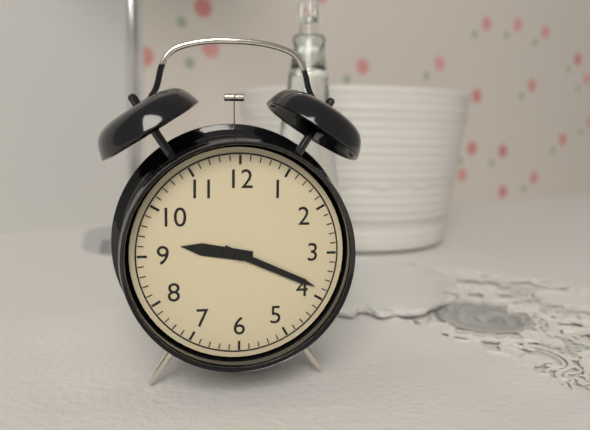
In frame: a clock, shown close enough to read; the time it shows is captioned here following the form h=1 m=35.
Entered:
h=9 m=19
